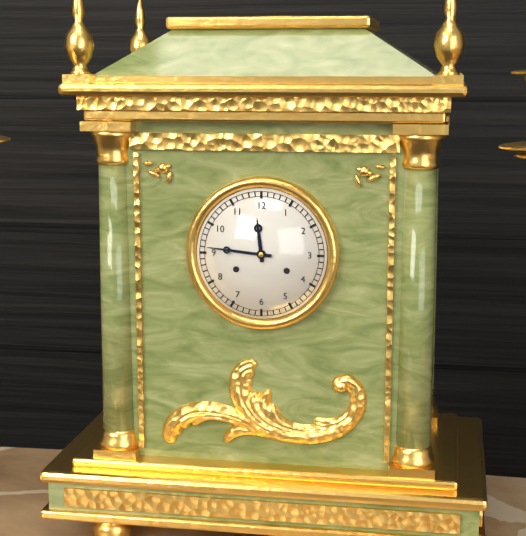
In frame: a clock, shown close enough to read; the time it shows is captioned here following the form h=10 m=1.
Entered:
h=11 m=46
